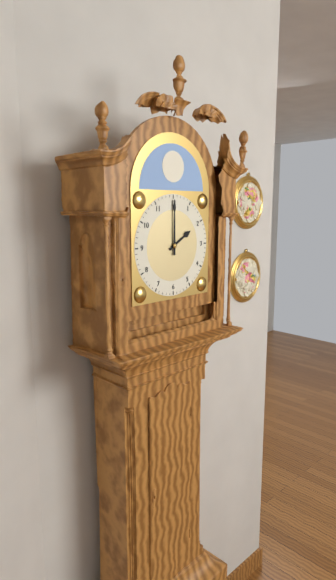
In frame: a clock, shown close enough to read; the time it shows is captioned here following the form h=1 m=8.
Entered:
h=2 m=0
